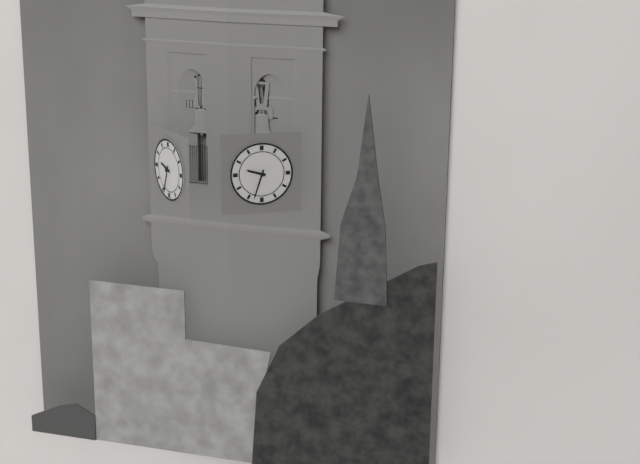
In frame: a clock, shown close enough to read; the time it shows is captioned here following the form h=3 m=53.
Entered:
h=9 m=33
